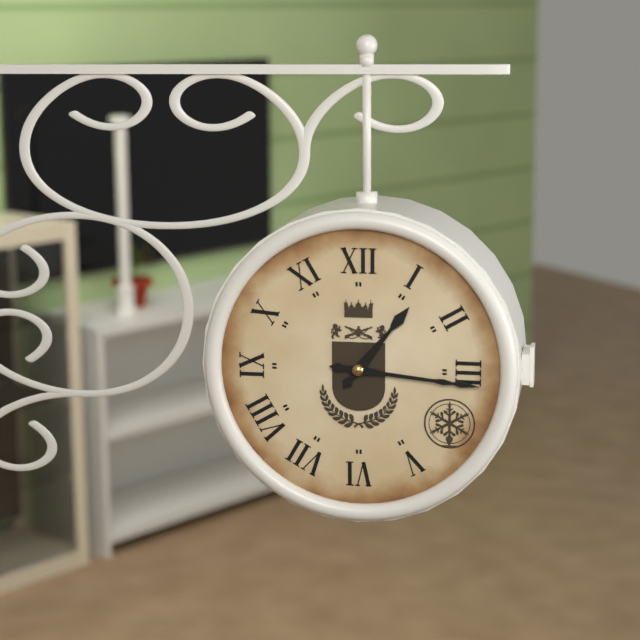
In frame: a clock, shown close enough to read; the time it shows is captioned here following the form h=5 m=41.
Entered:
h=1 m=16
